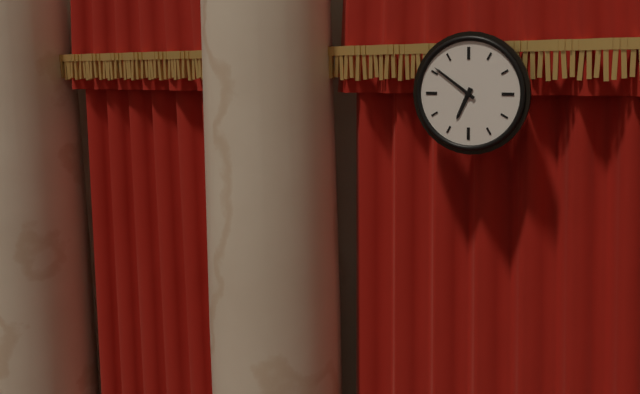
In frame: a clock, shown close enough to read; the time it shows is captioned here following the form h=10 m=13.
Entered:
h=6 m=51
